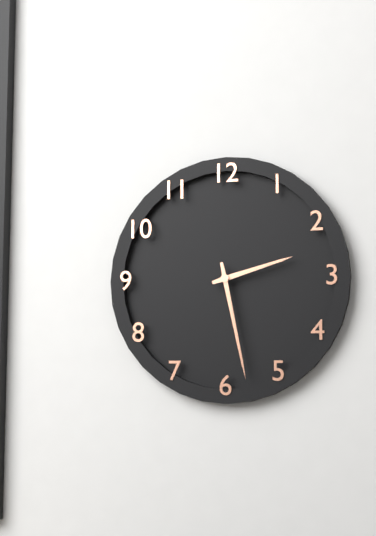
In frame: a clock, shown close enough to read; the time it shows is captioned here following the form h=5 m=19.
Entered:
h=2 m=28
